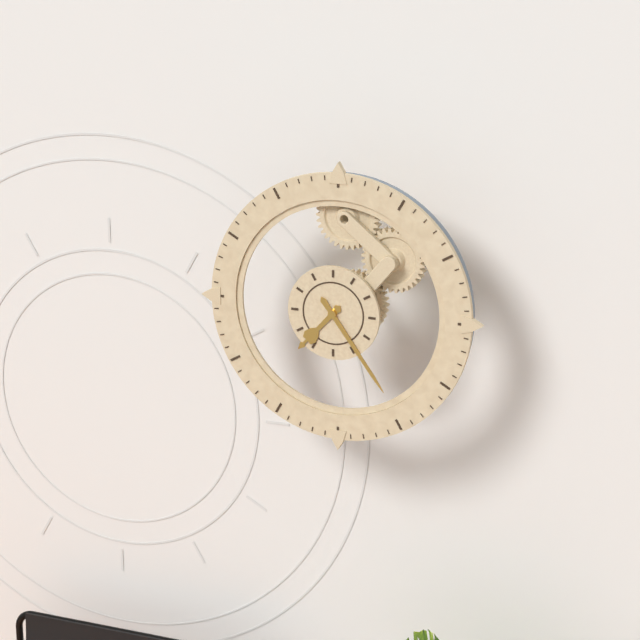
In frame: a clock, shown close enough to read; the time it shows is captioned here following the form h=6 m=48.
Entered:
h=7 m=24
